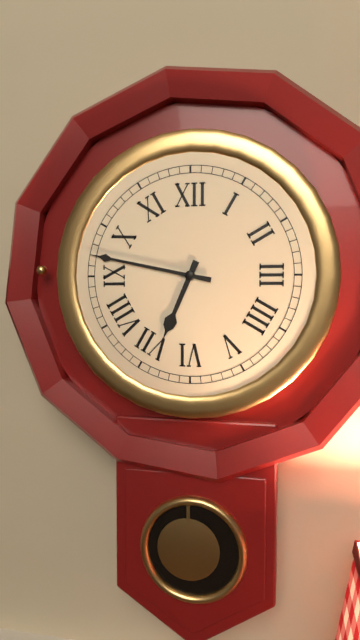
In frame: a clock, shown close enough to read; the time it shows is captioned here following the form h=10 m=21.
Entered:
h=6 m=47
